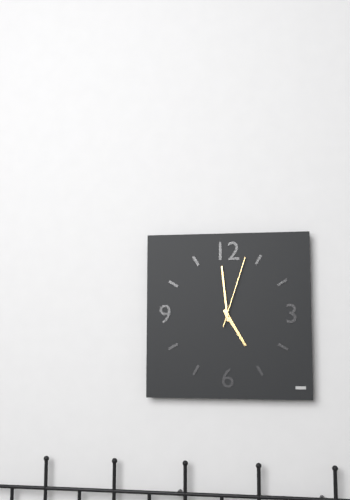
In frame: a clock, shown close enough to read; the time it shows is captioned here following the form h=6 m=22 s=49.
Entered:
h=4 m=59 s=3
